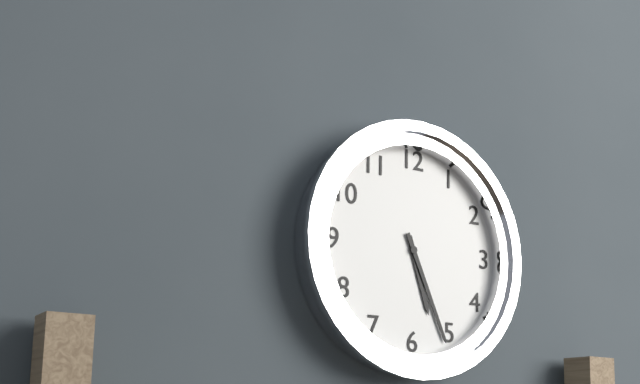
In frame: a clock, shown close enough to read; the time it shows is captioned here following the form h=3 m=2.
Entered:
h=5 m=26
